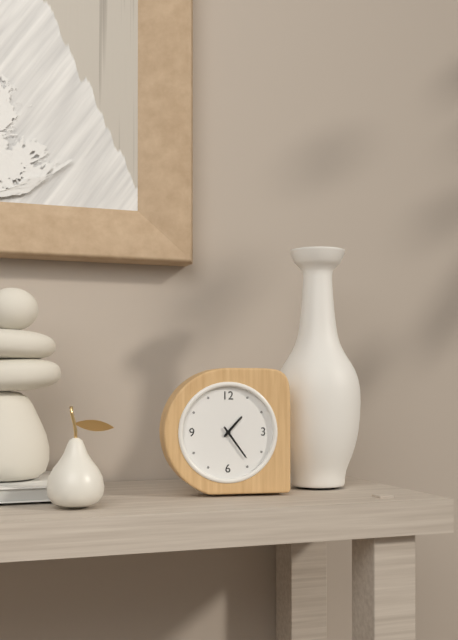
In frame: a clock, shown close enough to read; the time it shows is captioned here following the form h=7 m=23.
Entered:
h=1 m=24
